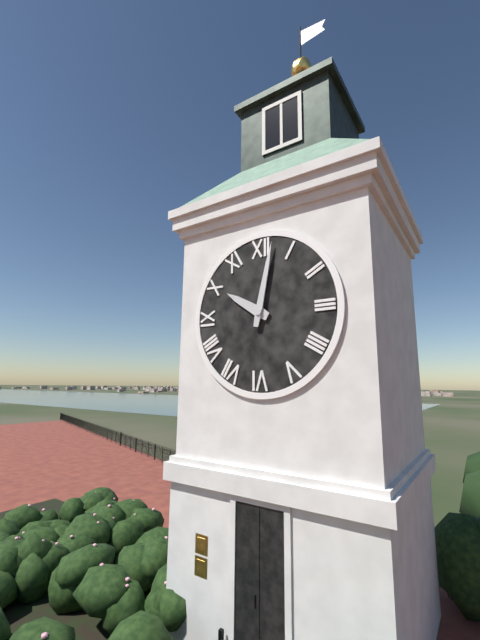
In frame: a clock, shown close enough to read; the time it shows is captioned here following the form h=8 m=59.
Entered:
h=10 m=2
